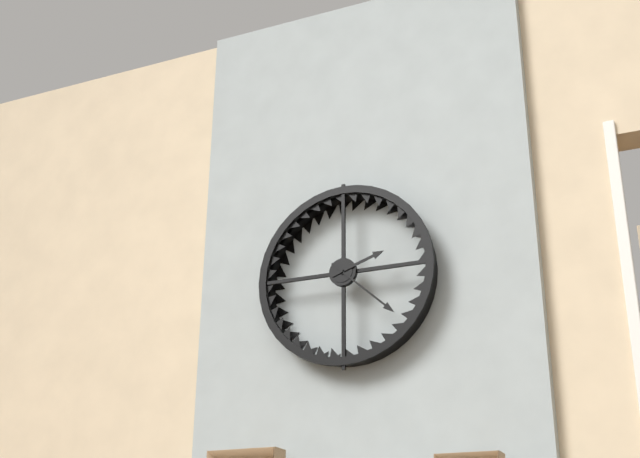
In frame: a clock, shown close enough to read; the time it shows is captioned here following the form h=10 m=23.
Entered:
h=2 m=22
